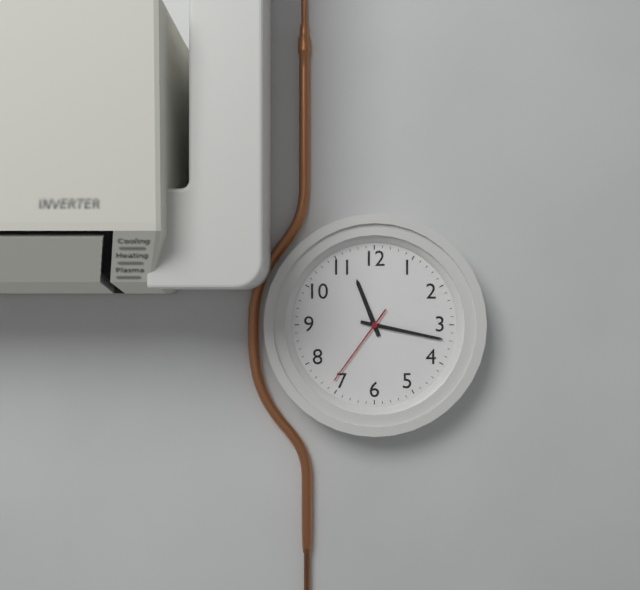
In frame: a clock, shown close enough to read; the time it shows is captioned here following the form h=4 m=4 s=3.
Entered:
h=11 m=17 s=36
